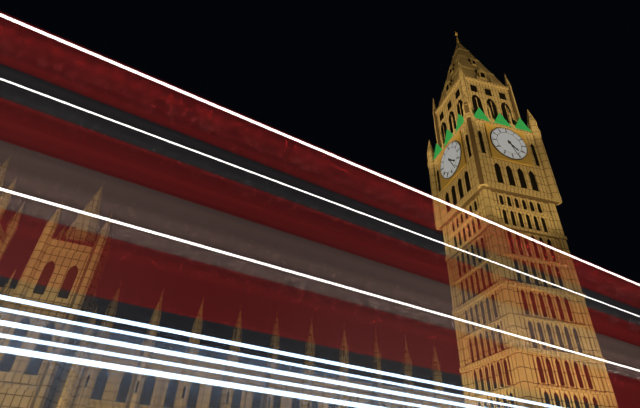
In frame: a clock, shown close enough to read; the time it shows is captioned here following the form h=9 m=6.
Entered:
h=4 m=26
